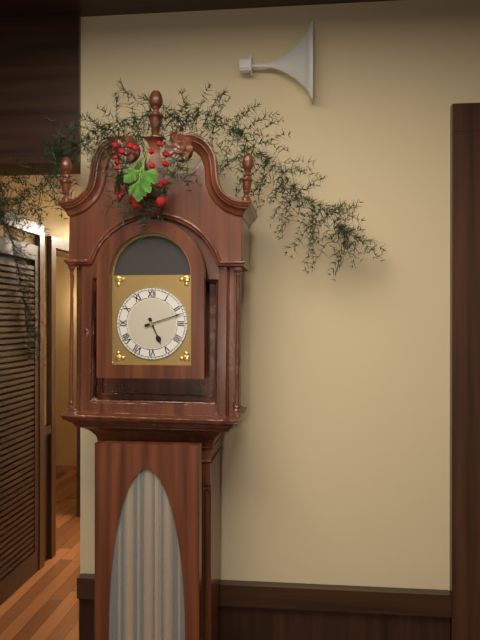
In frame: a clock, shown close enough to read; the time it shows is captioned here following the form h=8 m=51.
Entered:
h=5 m=12
